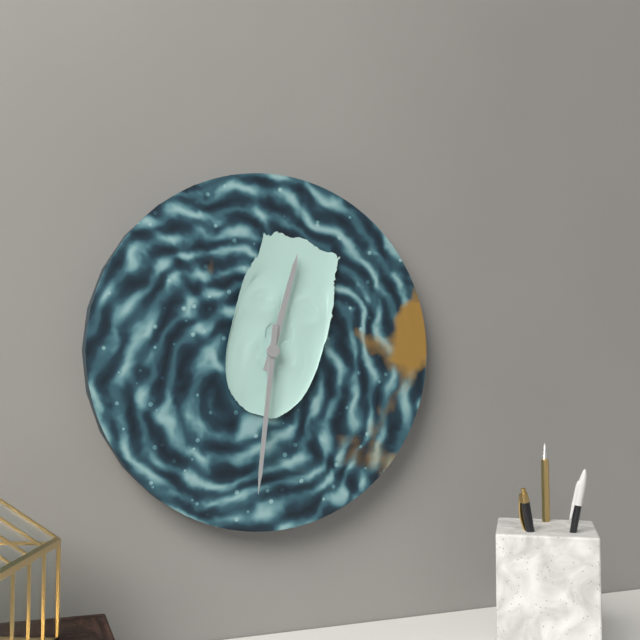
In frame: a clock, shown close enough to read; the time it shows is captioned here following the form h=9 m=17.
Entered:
h=12 m=31
